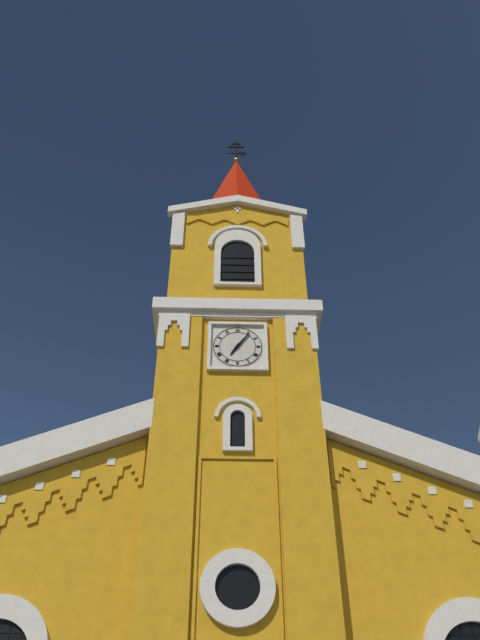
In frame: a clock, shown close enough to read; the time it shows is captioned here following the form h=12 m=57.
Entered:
h=7 m=6
